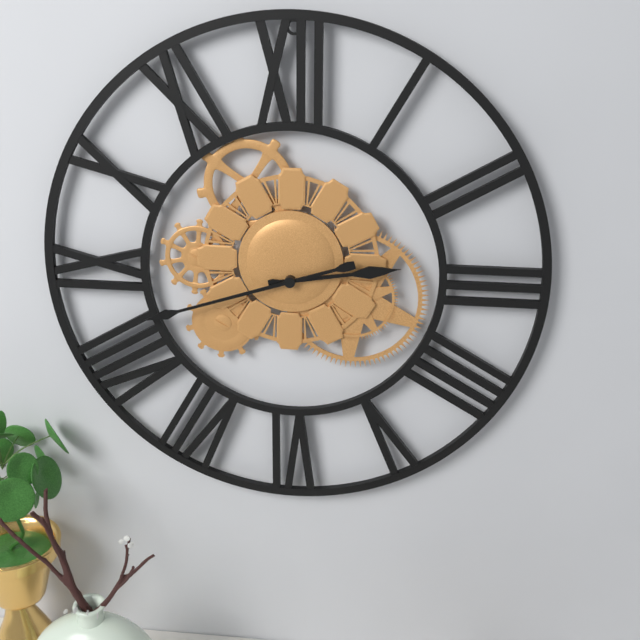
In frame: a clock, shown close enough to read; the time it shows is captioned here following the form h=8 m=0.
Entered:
h=2 m=42
